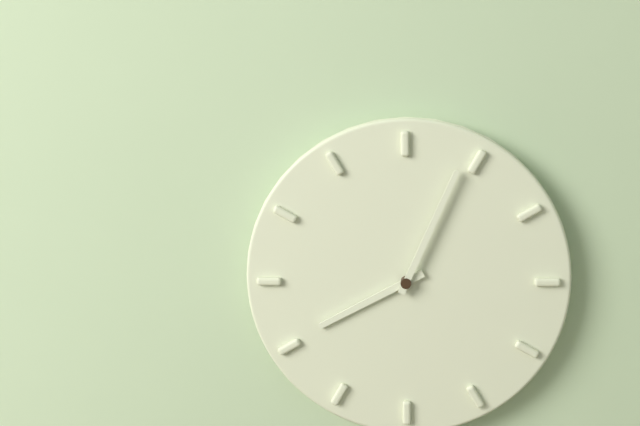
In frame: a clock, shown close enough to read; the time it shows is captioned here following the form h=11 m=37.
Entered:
h=8 m=4
